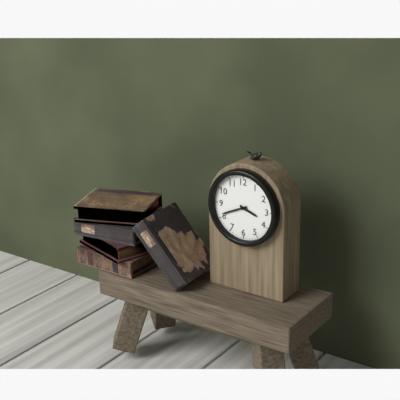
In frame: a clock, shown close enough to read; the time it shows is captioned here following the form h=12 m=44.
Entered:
h=3 m=41
